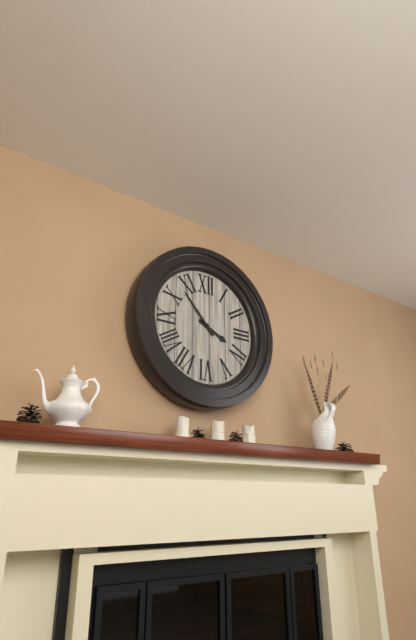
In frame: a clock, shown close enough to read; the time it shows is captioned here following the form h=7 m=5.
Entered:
h=3 m=53
